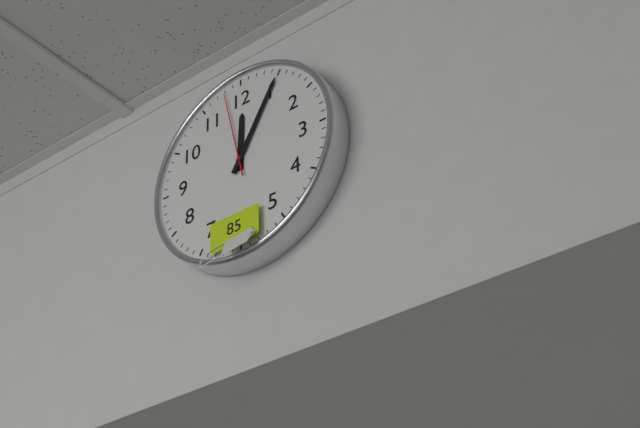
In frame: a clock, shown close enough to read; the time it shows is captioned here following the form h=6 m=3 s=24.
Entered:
h=12 m=5 s=58
